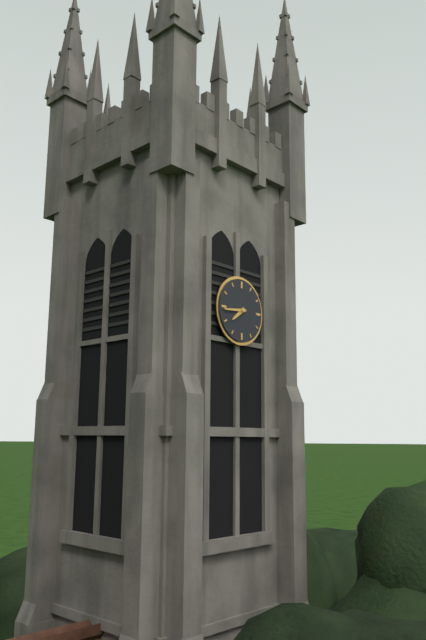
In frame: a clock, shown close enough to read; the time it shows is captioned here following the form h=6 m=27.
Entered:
h=7 m=44
